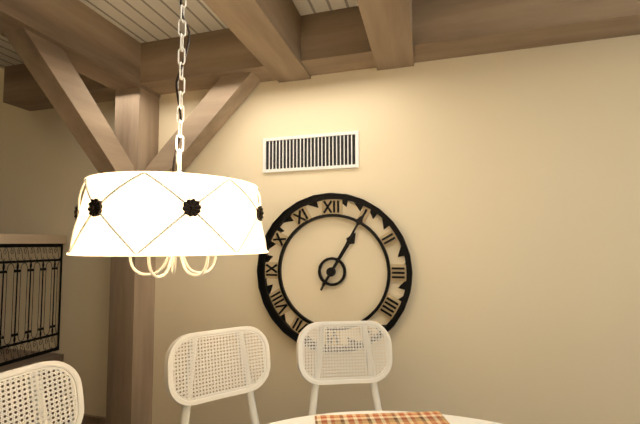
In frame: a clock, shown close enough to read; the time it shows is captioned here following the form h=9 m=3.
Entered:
h=1 m=5
